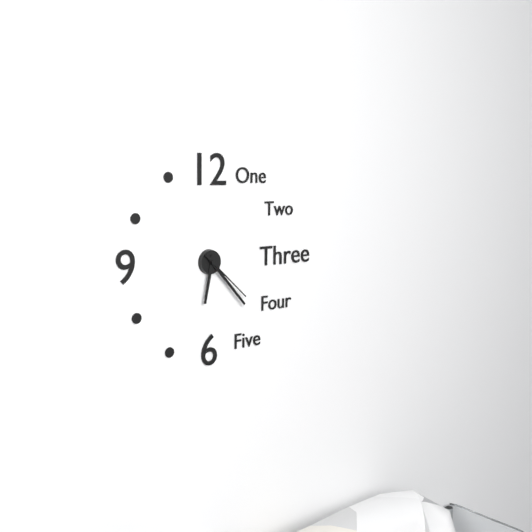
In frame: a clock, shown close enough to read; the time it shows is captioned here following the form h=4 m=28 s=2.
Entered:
h=6 m=23 s=22
